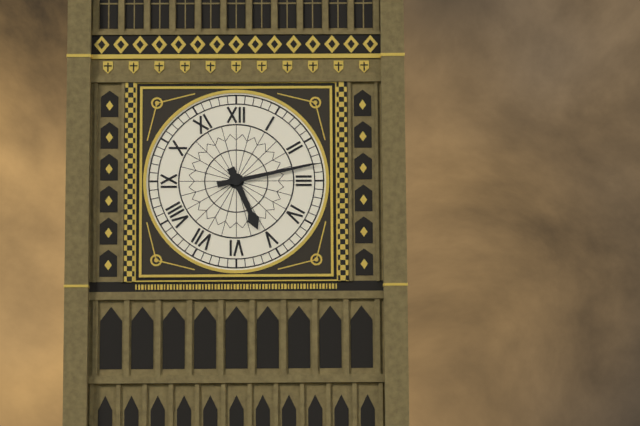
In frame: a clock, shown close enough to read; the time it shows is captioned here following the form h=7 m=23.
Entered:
h=5 m=13
